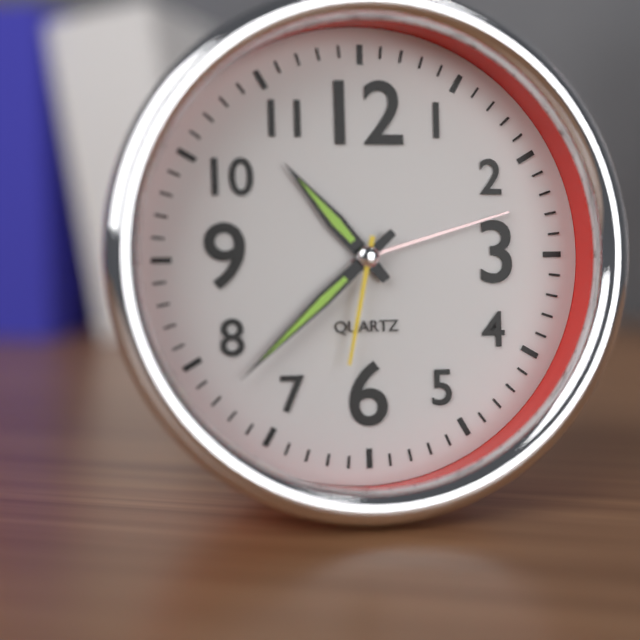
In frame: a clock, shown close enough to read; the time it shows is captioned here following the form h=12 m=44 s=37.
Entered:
h=10 m=38 s=32
